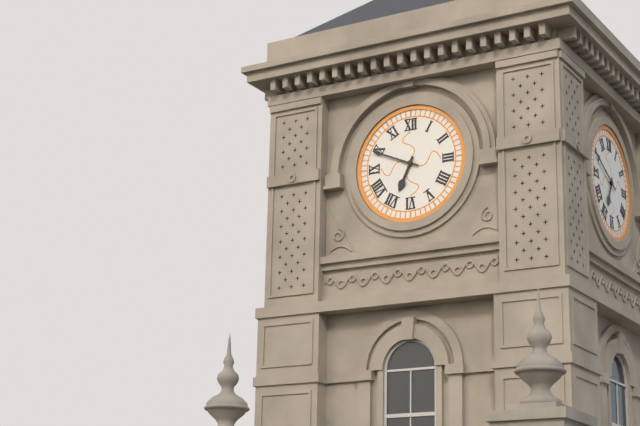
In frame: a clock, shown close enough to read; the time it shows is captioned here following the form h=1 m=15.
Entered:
h=6 m=49
